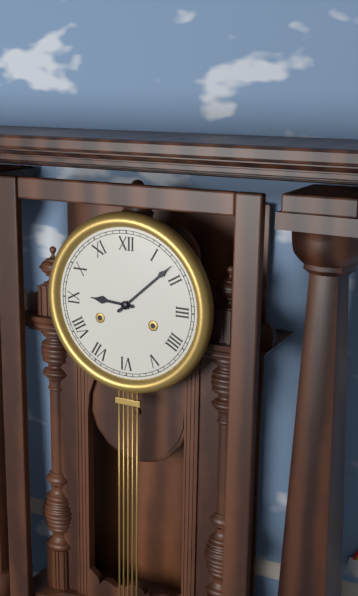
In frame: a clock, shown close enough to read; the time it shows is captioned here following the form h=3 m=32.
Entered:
h=9 m=8
